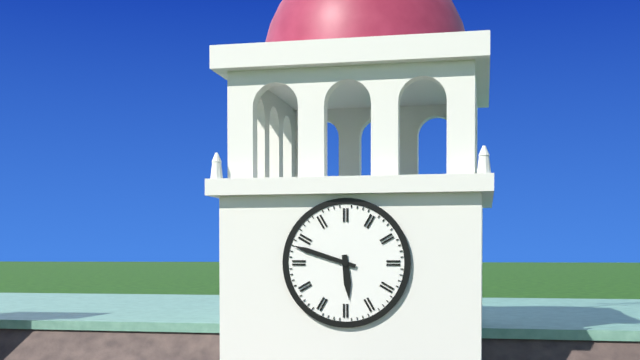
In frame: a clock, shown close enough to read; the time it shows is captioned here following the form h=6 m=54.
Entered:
h=5 m=48
